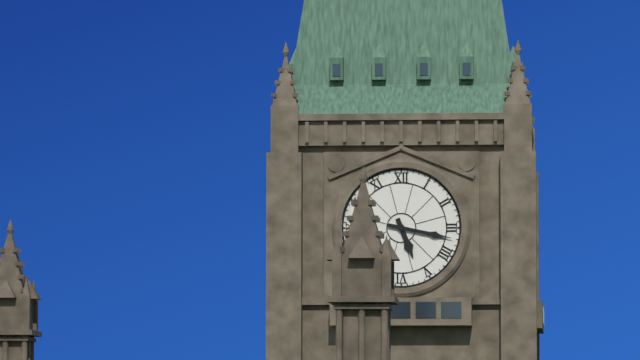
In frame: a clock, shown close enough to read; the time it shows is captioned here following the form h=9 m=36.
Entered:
h=5 m=17
